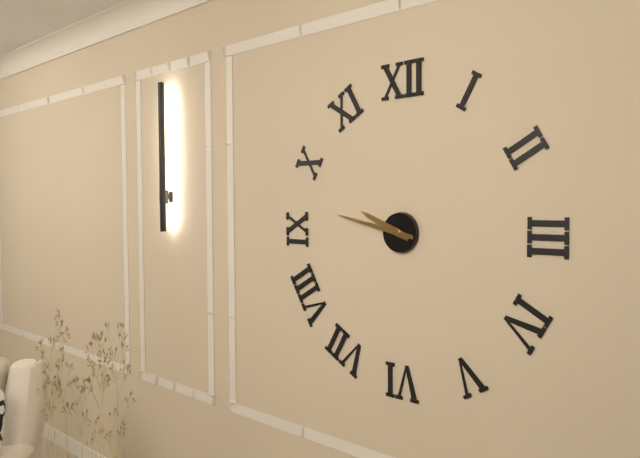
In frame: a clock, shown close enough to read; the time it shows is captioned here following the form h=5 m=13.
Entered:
h=9 m=47
